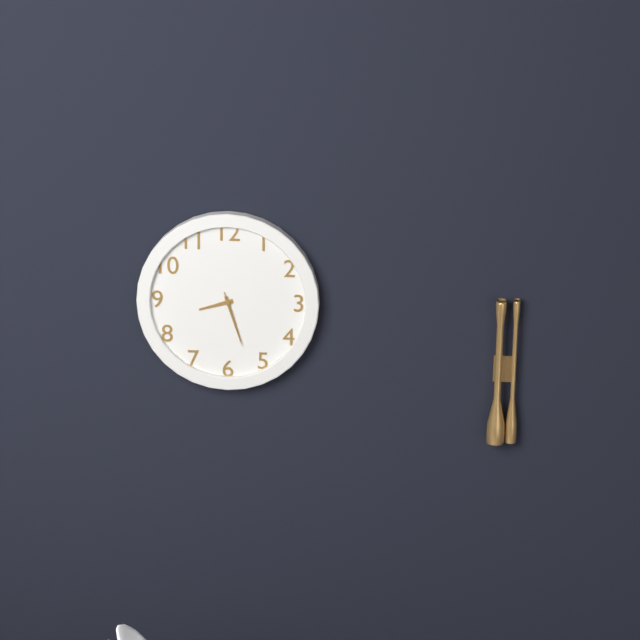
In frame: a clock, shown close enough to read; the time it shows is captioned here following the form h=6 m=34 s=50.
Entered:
h=8 m=27 s=27
